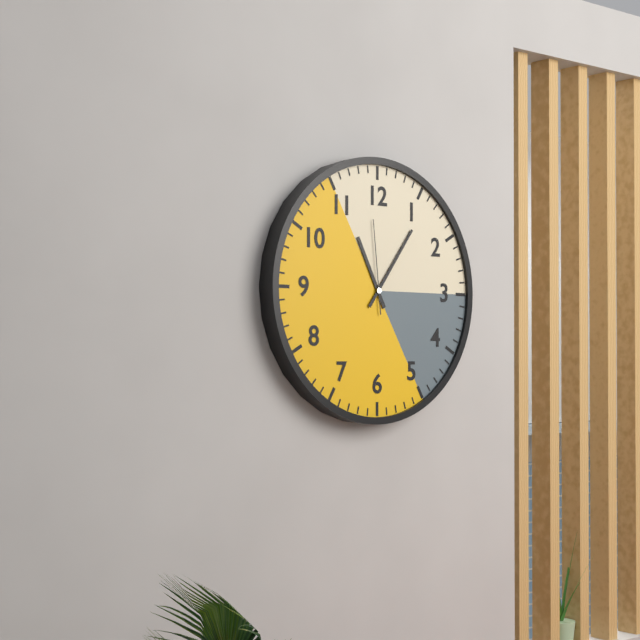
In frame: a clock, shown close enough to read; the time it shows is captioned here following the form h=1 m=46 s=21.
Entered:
h=11 m=6 s=59
